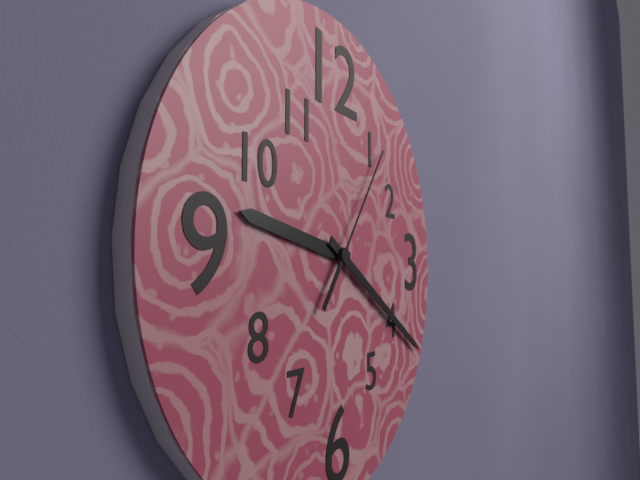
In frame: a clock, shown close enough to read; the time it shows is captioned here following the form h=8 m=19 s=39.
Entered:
h=9 m=20 s=6
